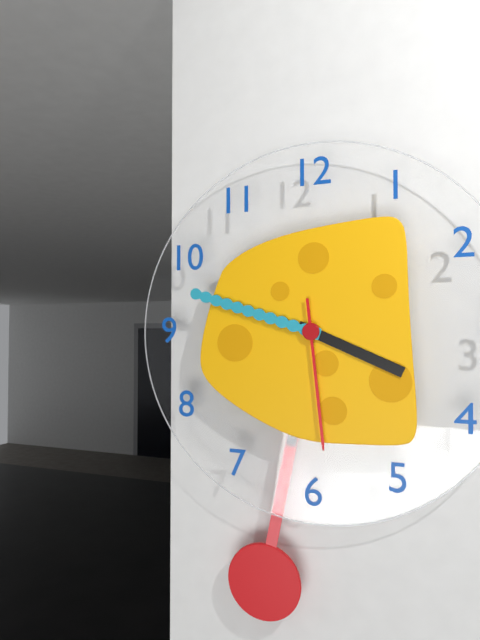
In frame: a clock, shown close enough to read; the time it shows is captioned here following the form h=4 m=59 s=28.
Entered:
h=3 m=48 s=29
